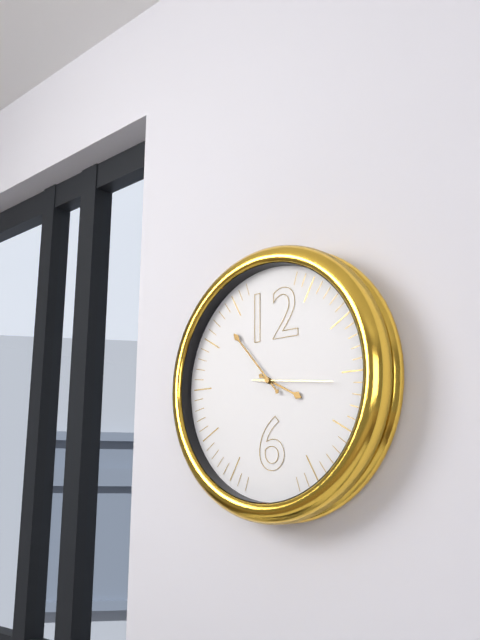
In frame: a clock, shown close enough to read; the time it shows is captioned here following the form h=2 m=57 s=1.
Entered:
h=3 m=53 s=16
